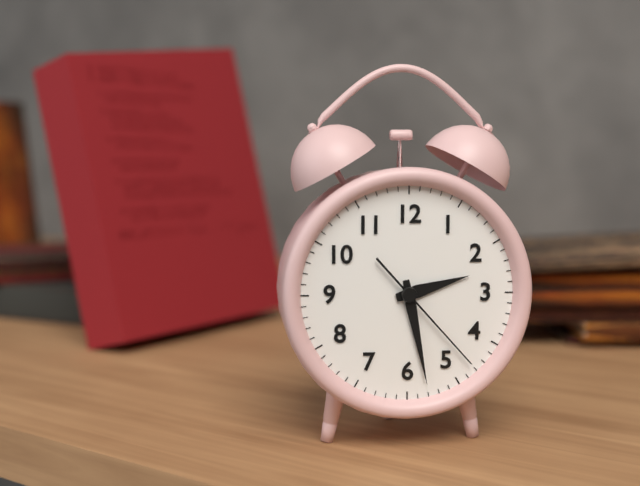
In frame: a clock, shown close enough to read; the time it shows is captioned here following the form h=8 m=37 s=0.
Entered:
h=2 m=28 s=23
